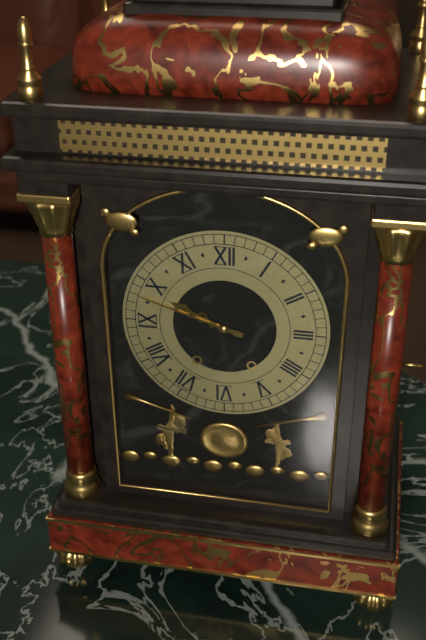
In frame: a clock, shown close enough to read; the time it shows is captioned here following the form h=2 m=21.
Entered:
h=9 m=48
